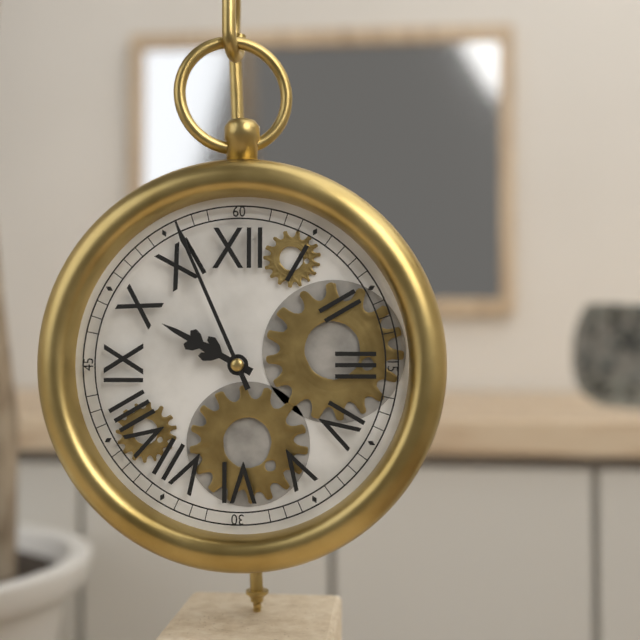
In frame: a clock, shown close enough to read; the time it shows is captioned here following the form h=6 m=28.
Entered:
h=9 m=56
